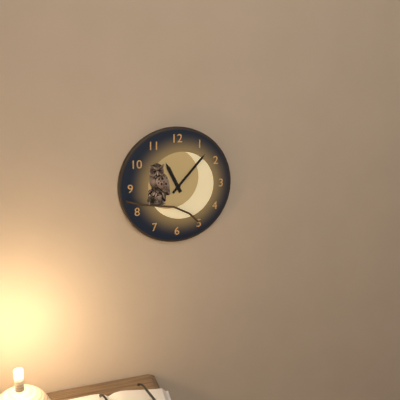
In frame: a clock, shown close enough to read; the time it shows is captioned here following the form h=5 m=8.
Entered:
h=11 m=7
